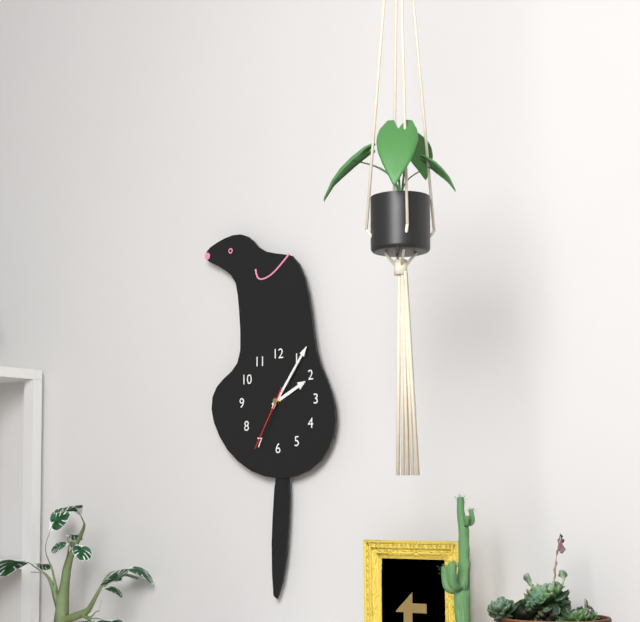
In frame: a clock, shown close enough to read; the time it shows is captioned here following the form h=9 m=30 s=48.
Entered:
h=2 m=6 s=35
